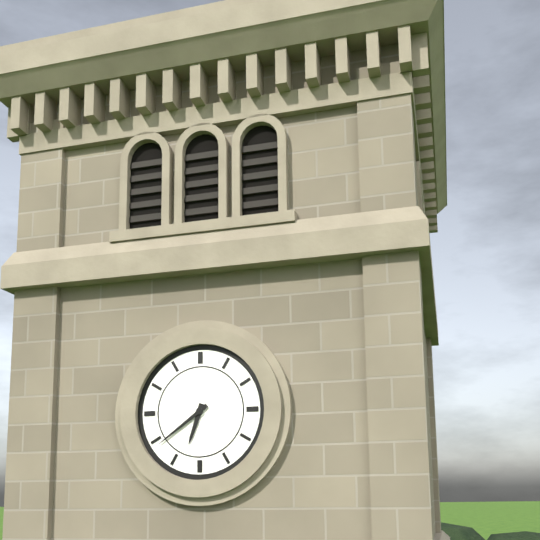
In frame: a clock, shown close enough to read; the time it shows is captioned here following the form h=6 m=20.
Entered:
h=6 m=39
